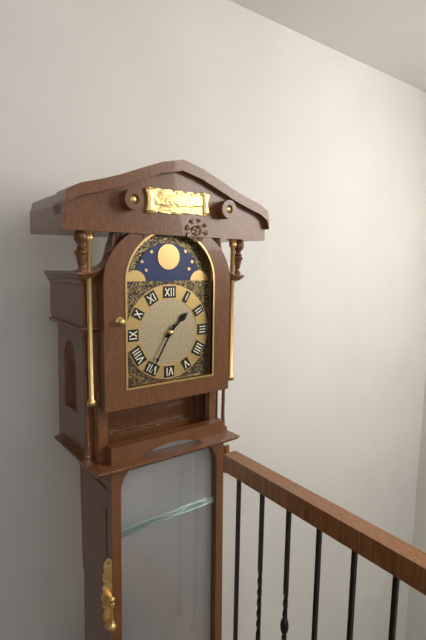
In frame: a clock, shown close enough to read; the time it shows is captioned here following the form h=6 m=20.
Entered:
h=1 m=35
